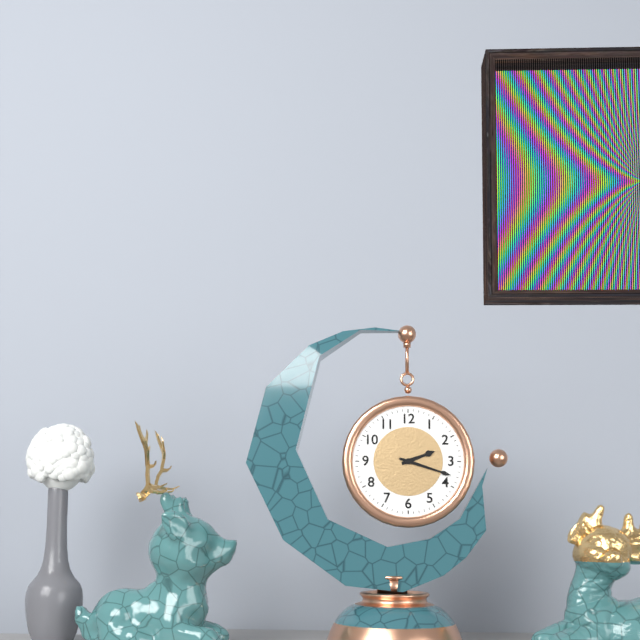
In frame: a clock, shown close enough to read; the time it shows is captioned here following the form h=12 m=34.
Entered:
h=2 m=18
